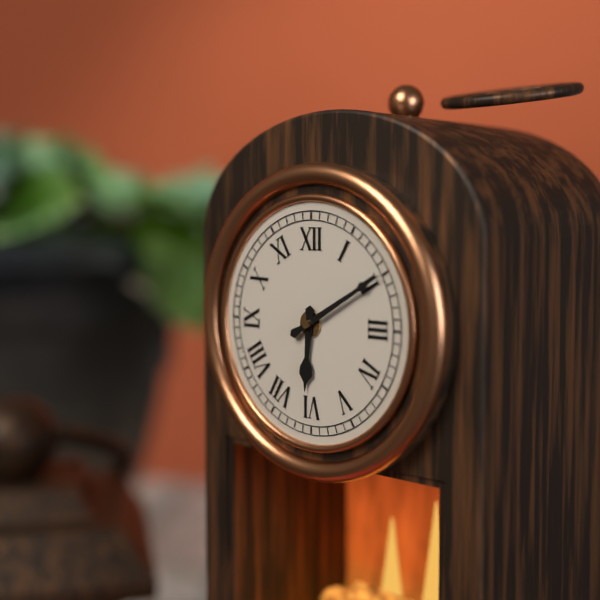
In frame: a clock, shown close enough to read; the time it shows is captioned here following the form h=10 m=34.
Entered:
h=6 m=10
